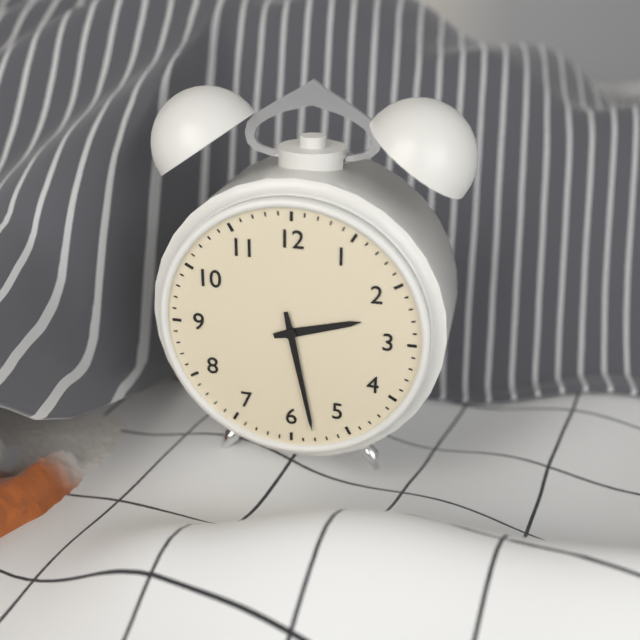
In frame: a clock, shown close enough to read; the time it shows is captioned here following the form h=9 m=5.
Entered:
h=2 m=28
